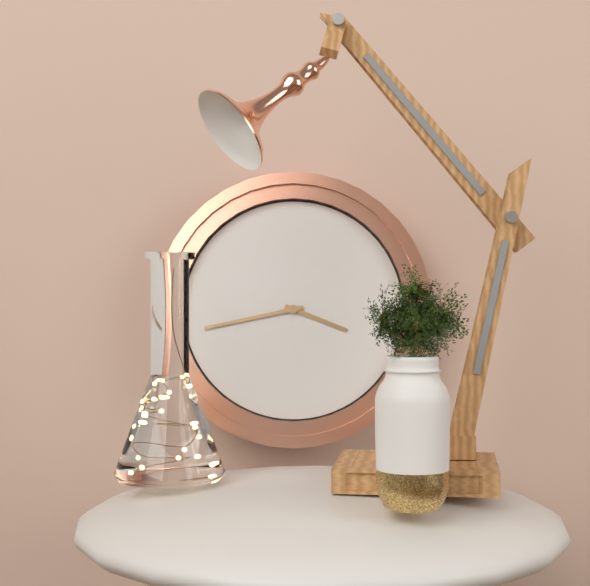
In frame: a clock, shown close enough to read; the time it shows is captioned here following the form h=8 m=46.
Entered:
h=3 m=43
